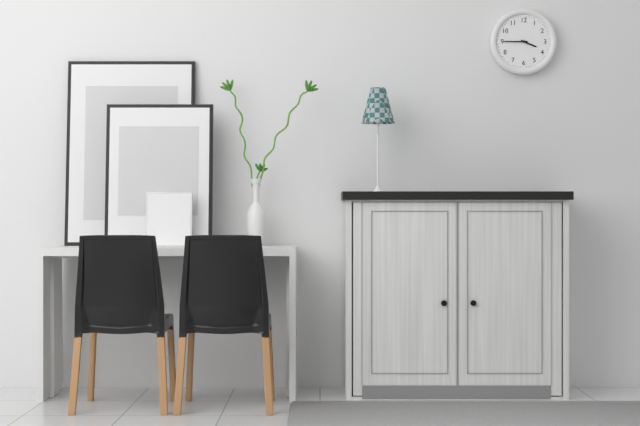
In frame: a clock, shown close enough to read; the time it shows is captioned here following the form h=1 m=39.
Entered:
h=3 m=45
